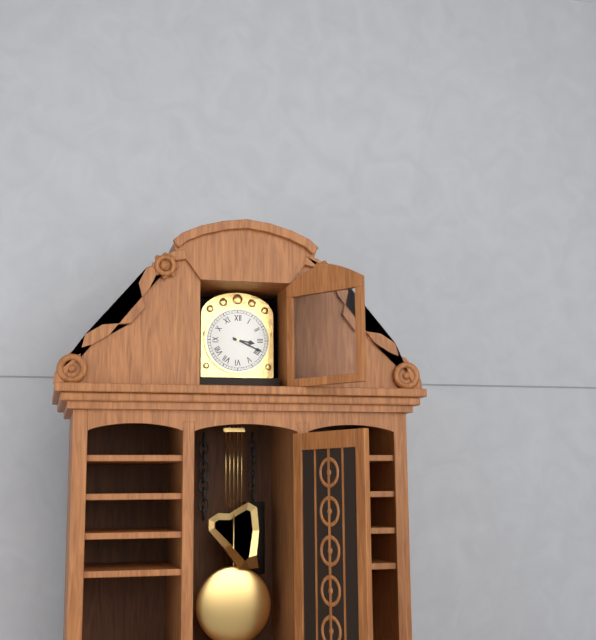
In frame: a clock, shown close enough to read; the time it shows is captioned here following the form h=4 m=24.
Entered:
h=3 m=19
